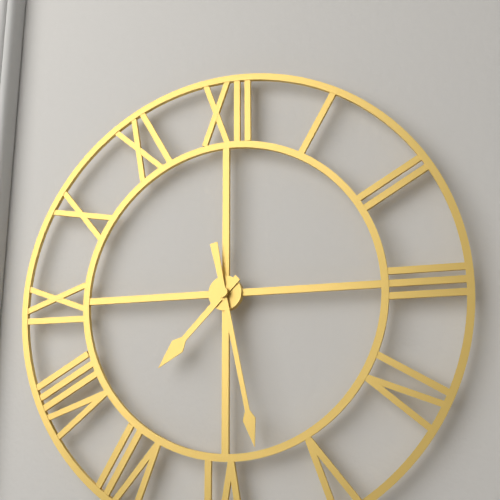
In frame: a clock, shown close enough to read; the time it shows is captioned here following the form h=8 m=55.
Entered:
h=7 m=28
